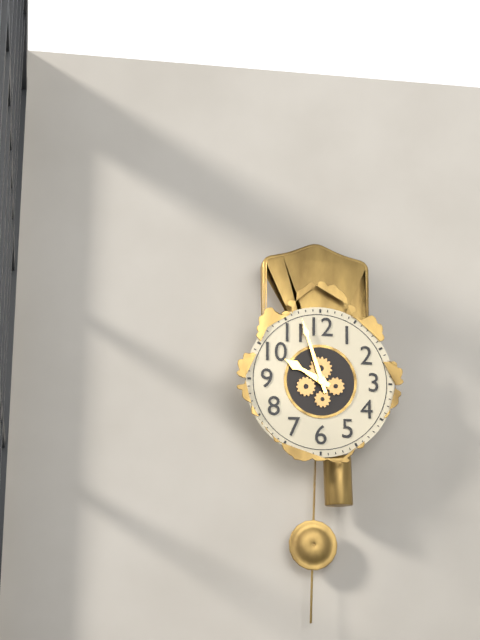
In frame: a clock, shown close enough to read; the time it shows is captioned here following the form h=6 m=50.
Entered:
h=9 m=57
